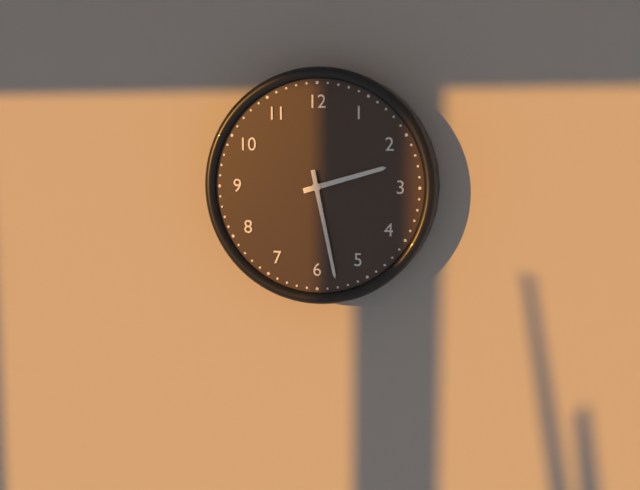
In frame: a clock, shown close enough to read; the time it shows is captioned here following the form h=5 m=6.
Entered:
h=2 m=28
